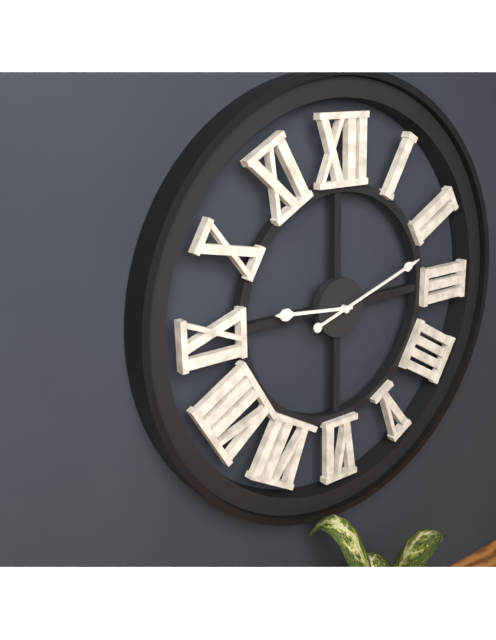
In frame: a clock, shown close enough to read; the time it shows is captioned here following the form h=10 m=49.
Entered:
h=9 m=12
